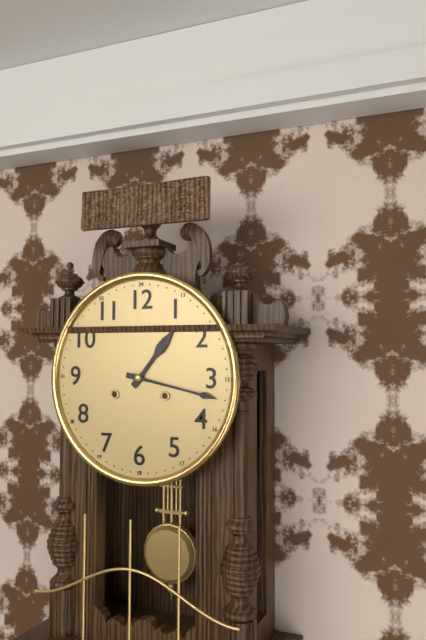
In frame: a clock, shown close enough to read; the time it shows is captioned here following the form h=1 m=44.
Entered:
h=1 m=17
